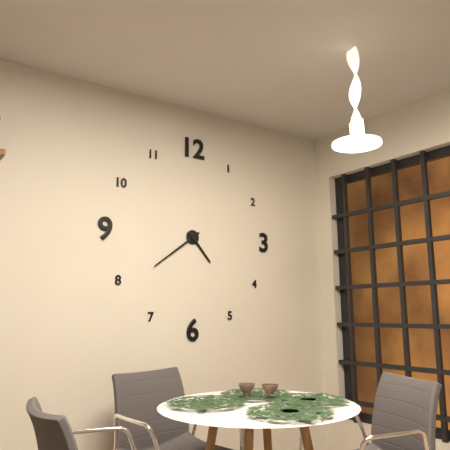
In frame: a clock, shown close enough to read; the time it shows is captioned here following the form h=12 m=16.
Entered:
h=4 m=39
